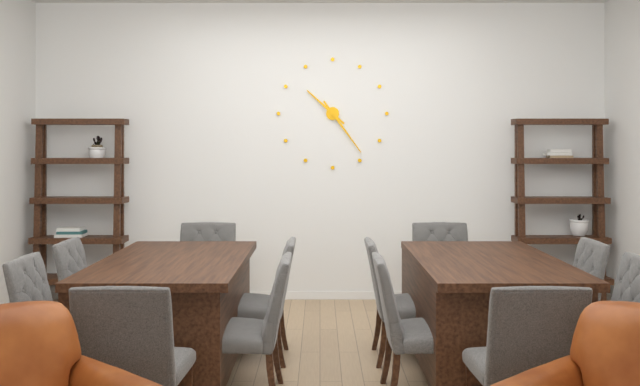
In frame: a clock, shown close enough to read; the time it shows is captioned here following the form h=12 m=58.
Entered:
h=10 m=24
